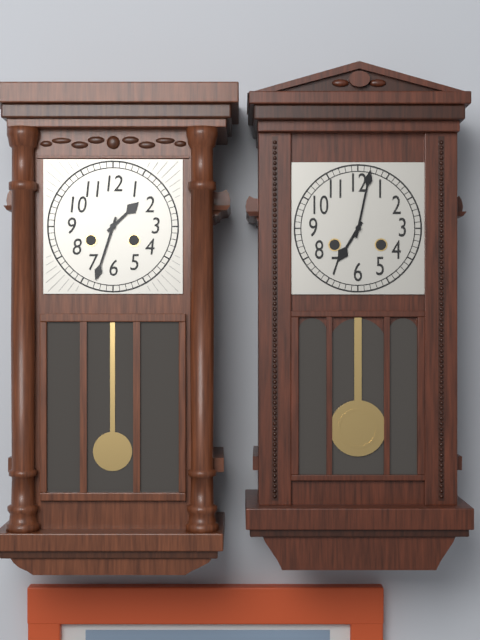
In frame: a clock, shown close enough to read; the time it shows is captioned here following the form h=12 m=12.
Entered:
h=1 m=33
